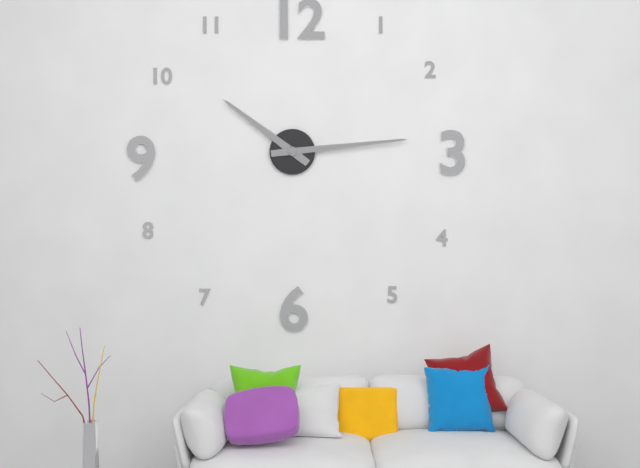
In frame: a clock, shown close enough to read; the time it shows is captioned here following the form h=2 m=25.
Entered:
h=10 m=14
